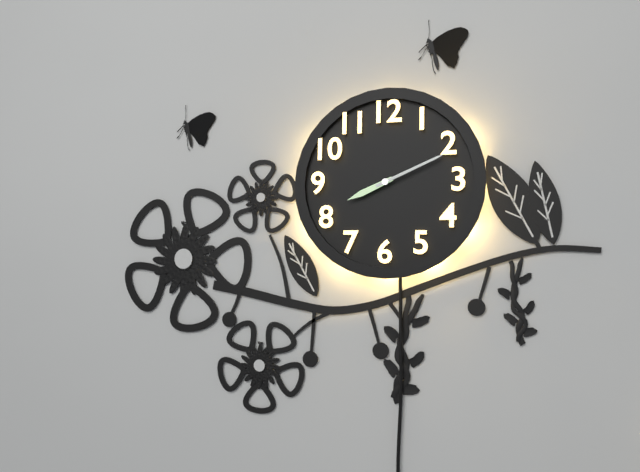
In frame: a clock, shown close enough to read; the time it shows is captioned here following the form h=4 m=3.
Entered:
h=8 m=11
